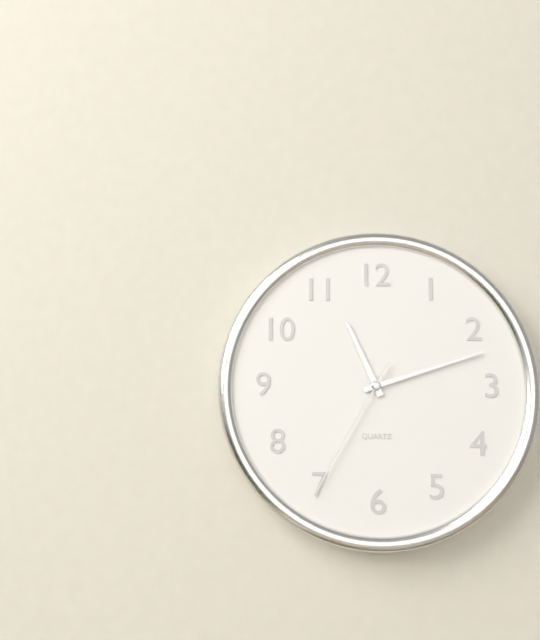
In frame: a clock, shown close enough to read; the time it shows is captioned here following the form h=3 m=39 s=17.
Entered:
h=11 m=12 s=35
